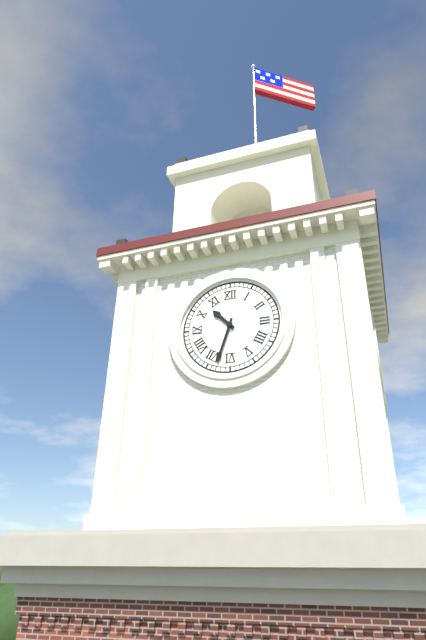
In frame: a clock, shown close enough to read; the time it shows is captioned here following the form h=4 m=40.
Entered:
h=10 m=33
